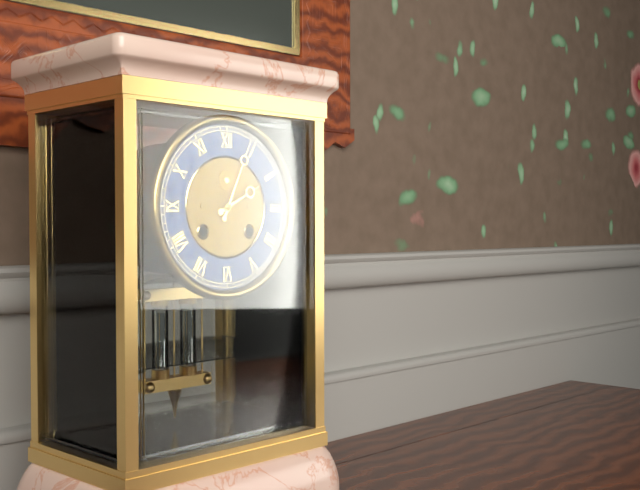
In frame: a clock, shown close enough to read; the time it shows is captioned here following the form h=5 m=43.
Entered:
h=2 m=4
